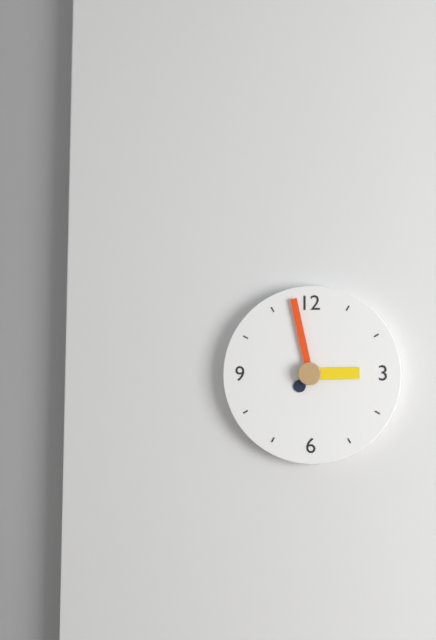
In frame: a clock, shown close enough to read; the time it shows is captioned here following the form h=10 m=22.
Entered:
h=2 m=58
